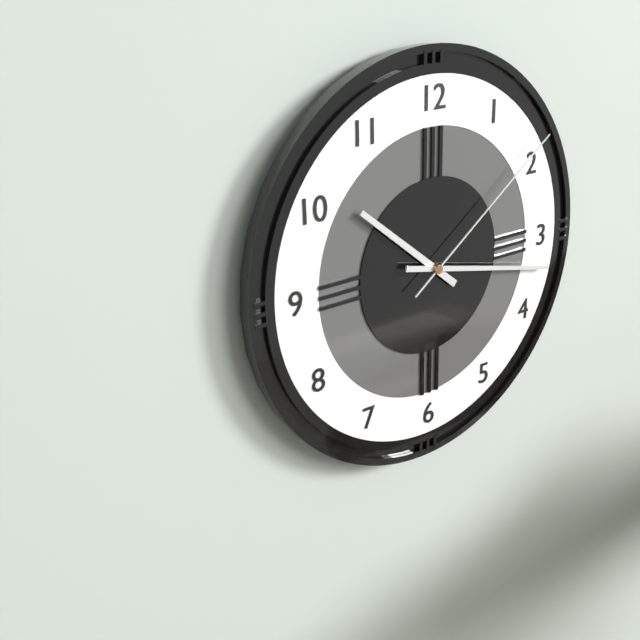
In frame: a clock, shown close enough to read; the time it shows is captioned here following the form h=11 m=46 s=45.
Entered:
h=10 m=17 s=9
